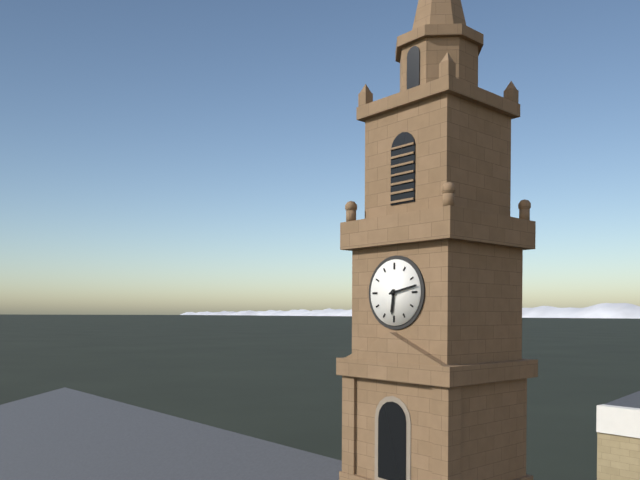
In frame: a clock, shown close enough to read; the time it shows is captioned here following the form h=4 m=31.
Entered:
h=6 m=13
